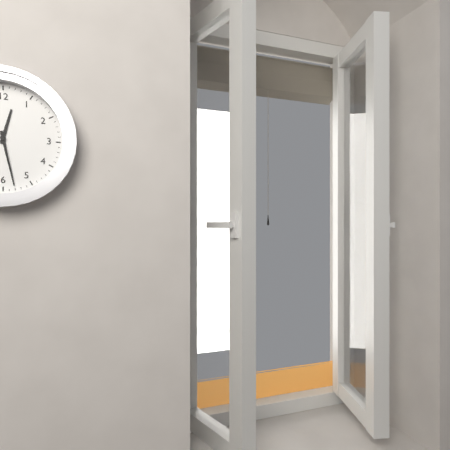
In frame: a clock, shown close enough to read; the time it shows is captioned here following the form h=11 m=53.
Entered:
h=12 m=28
